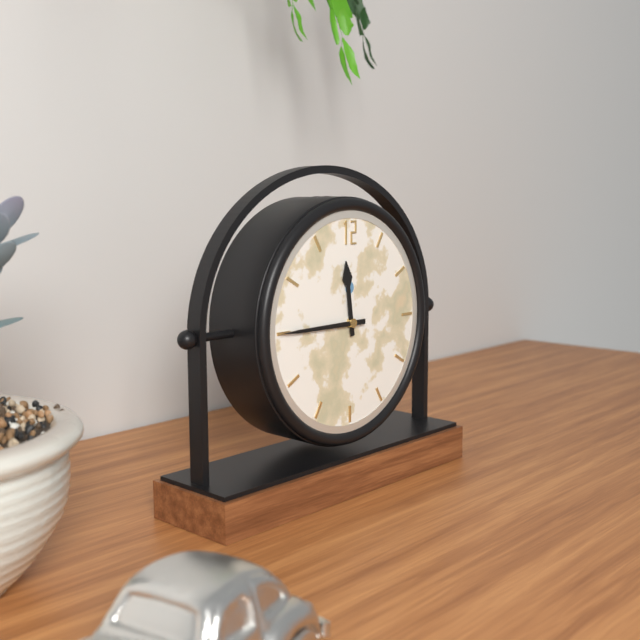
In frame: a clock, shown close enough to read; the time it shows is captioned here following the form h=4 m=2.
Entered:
h=11 m=45
